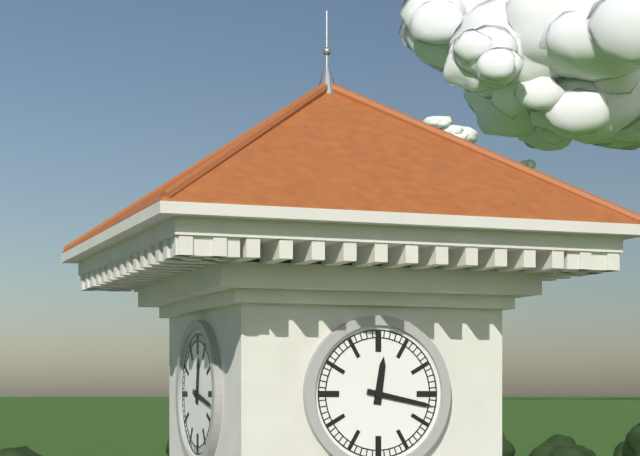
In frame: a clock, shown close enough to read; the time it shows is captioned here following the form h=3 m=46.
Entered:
h=12 m=17
